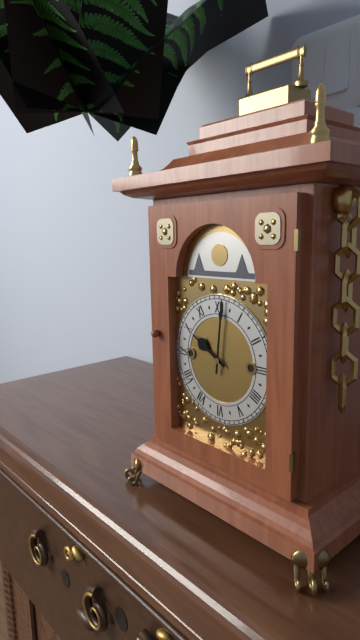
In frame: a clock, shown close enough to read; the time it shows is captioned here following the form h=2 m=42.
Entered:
h=10 m=1
